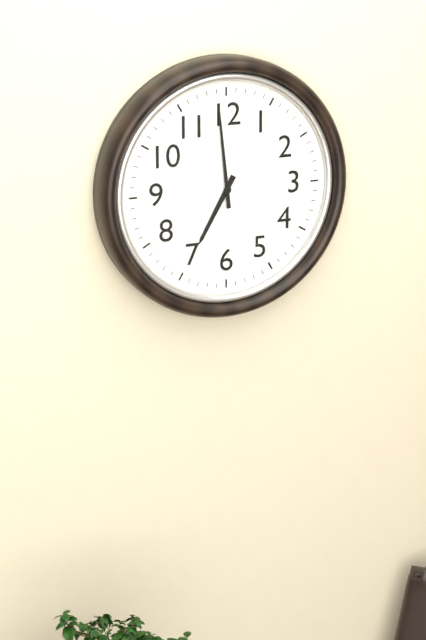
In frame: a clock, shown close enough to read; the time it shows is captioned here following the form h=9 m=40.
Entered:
h=6 m=59
